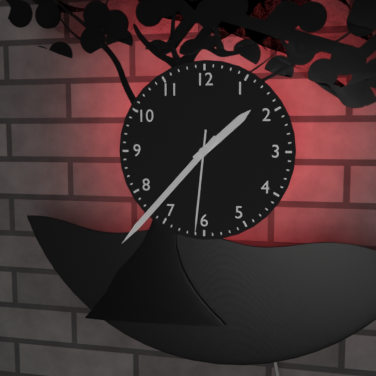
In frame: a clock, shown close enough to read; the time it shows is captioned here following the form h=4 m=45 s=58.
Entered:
h=1 m=37 s=31
